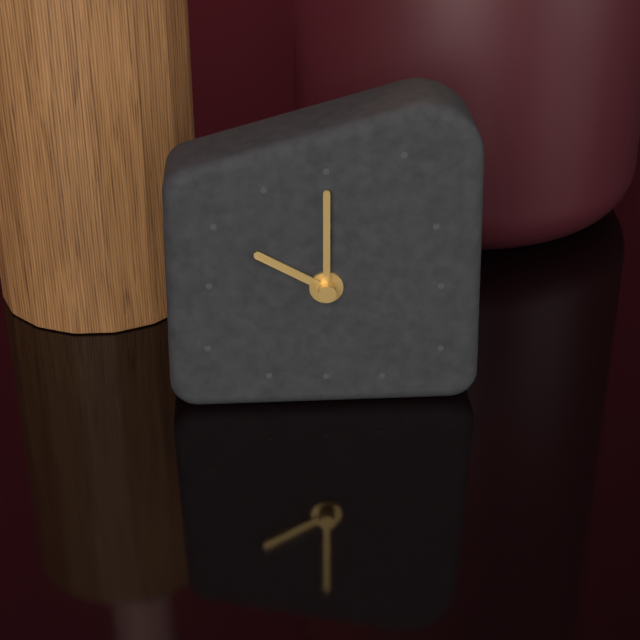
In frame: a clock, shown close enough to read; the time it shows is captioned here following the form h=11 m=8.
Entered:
h=10 m=0
